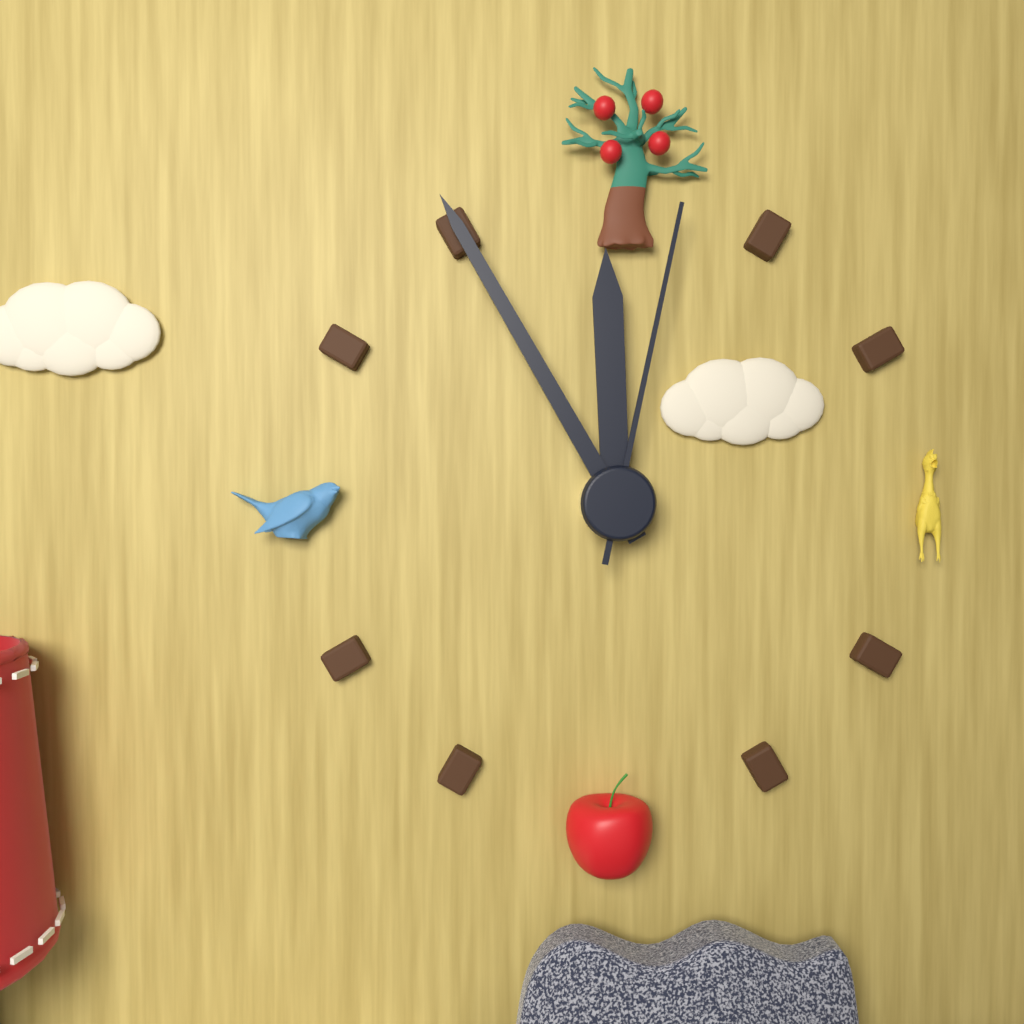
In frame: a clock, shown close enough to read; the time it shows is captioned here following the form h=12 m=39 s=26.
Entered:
h=11 m=55 s=2
